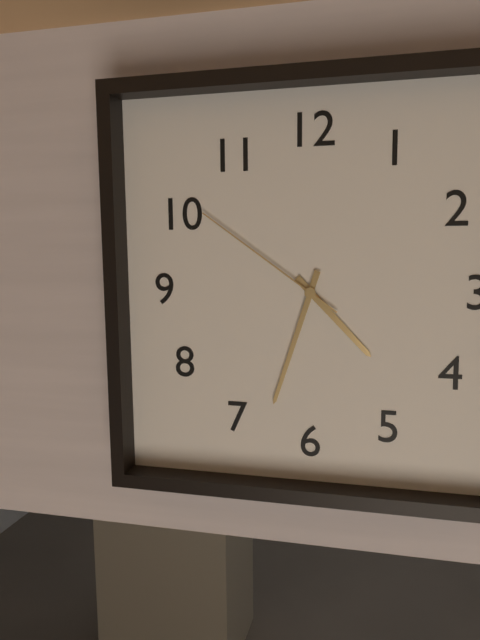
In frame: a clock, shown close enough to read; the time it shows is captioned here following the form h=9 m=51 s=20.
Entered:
h=4 m=33 s=51
